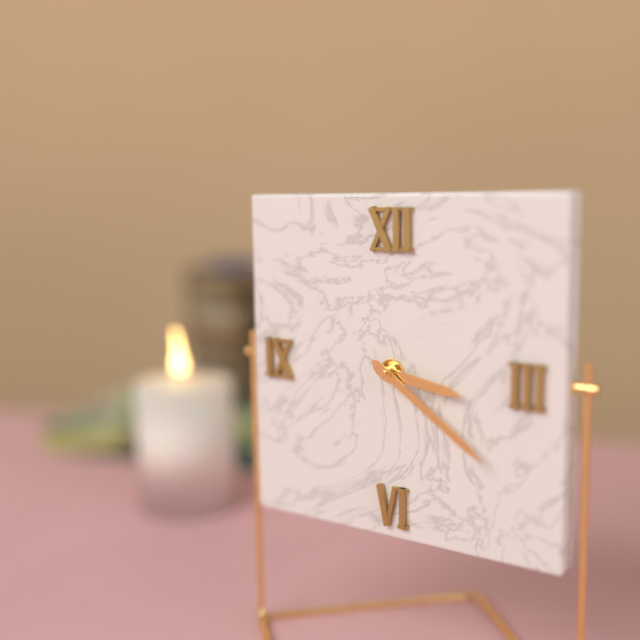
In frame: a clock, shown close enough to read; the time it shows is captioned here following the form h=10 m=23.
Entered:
h=3 m=21
